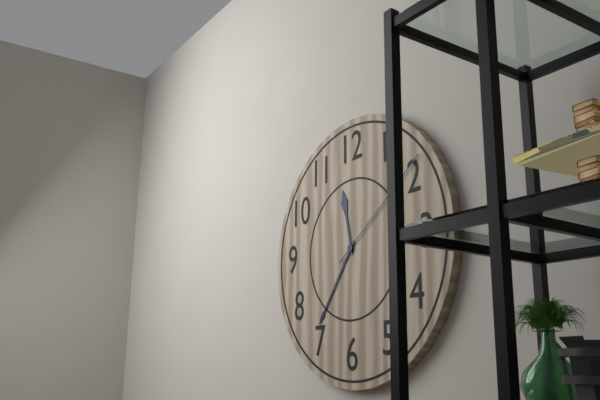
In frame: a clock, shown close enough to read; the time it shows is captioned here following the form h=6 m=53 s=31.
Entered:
h=11 m=36 s=9
